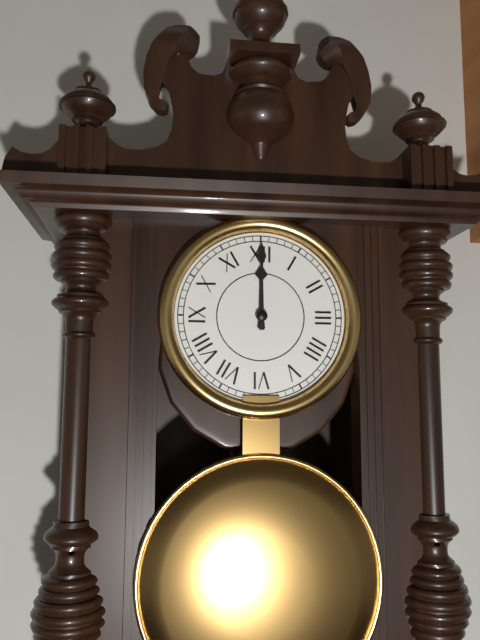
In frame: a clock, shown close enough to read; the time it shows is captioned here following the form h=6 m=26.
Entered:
h=12 m=0
